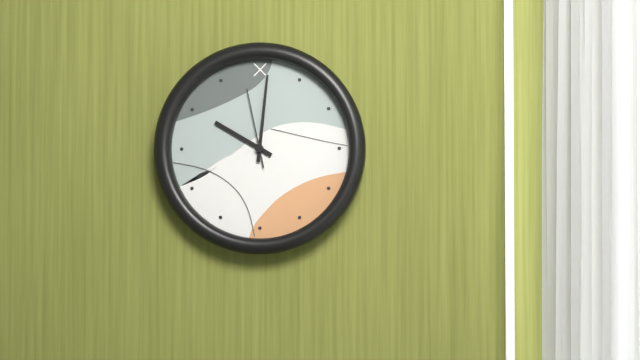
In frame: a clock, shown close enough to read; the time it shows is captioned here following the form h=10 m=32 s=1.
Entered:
h=10 m=1 s=58
